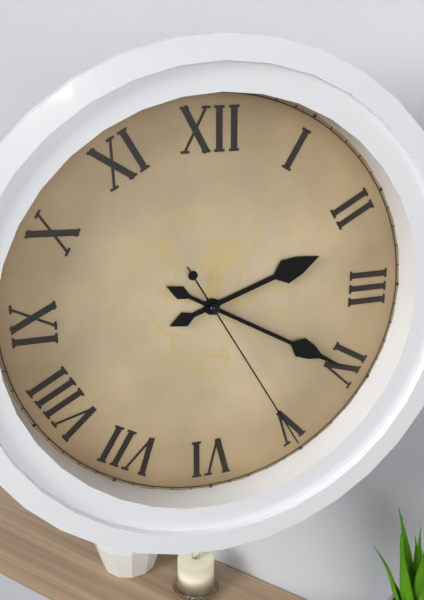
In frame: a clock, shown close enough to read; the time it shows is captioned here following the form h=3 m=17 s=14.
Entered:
h=2 m=20 s=25
